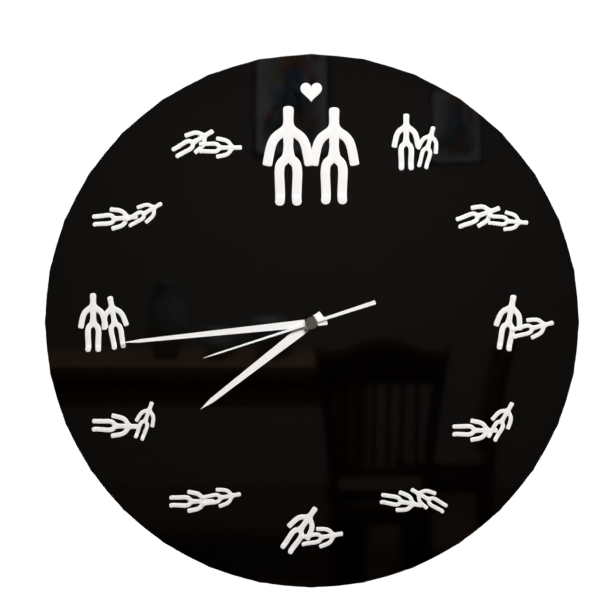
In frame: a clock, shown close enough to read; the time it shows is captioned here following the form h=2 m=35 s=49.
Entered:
h=7 m=44 s=42
